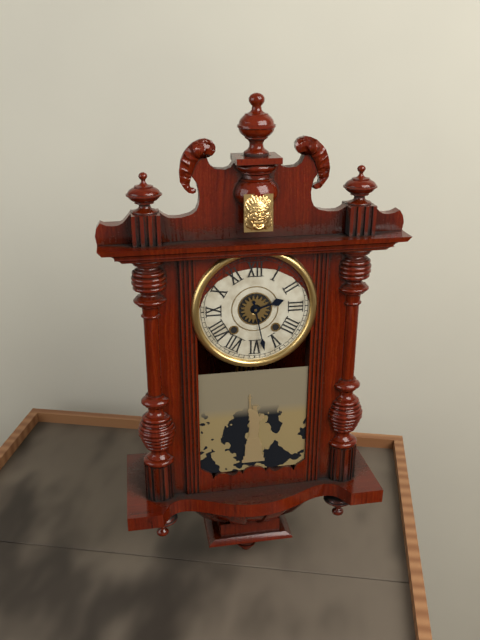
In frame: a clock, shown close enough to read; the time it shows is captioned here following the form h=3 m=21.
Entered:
h=2 m=28
